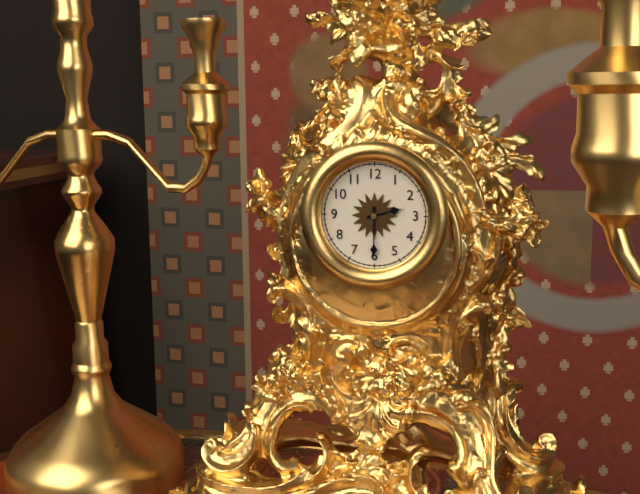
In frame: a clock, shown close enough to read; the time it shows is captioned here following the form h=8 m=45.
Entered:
h=2 m=30
